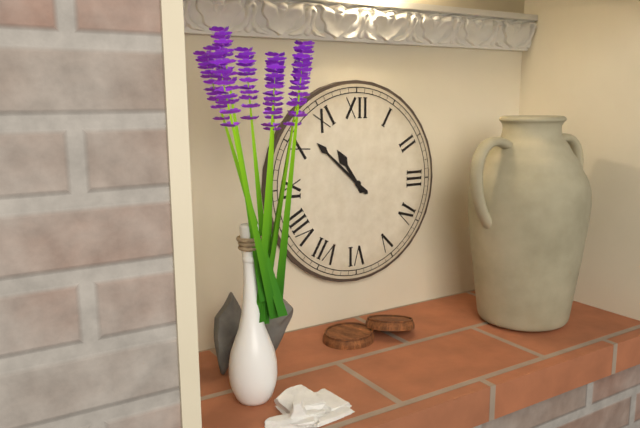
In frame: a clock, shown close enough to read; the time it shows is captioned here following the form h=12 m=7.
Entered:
h=10 m=52
